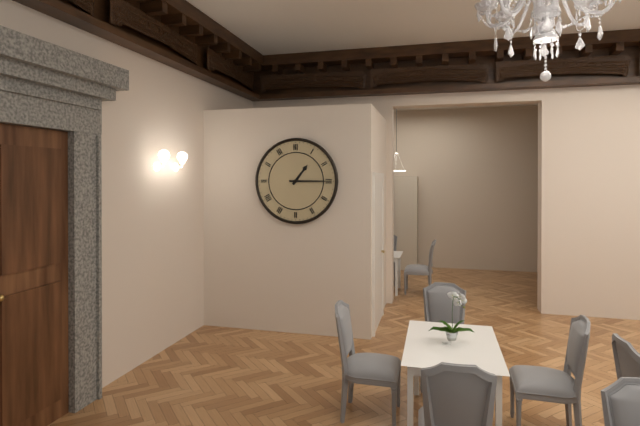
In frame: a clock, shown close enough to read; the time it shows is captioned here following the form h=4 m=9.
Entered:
h=1 m=15
